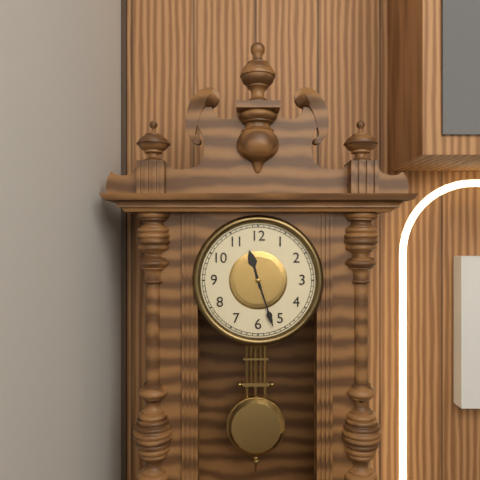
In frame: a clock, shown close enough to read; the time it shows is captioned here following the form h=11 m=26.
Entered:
h=11 m=27
